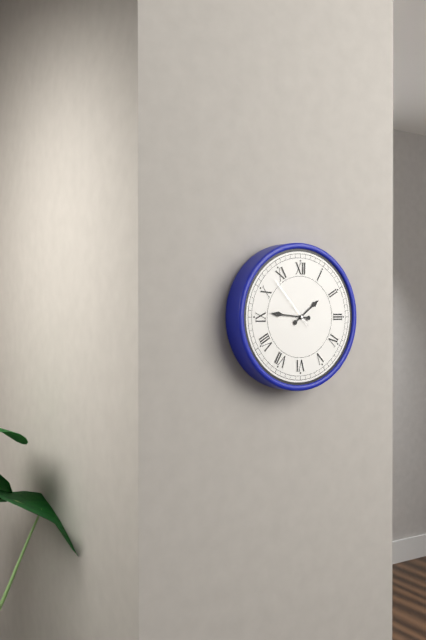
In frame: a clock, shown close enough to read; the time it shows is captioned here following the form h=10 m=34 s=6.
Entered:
h=1 m=46 s=53
